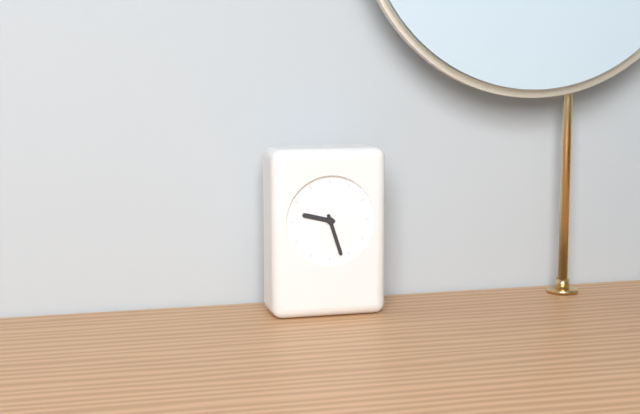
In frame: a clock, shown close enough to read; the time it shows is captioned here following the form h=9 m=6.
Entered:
h=9 m=27
